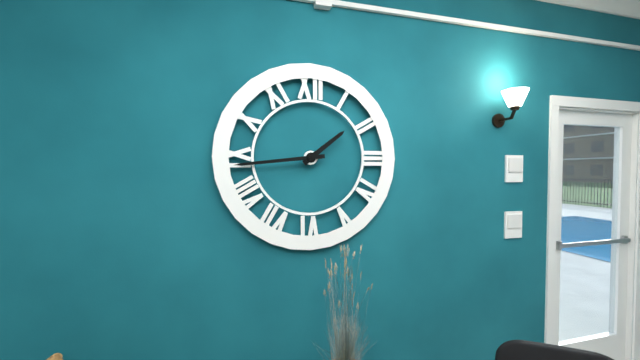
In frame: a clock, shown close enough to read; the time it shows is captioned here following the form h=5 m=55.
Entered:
h=1 m=44
